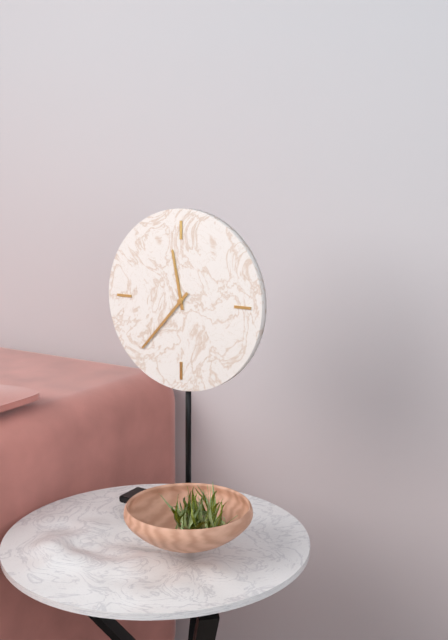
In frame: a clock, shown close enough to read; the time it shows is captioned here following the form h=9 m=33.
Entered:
h=11 m=37
